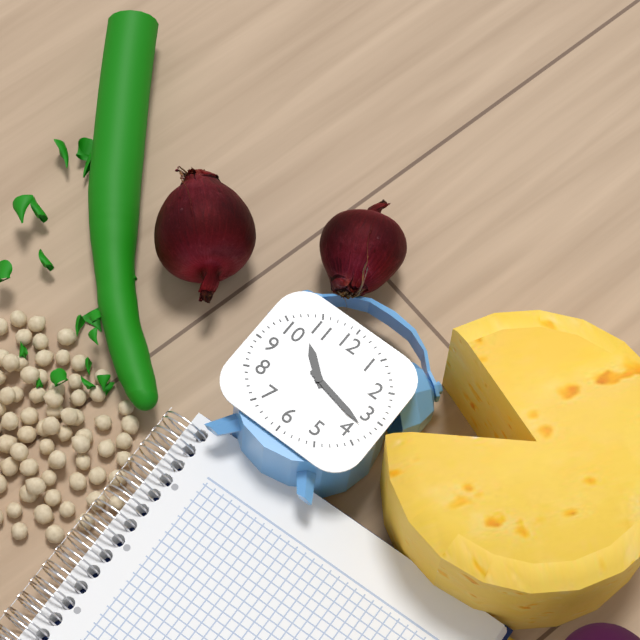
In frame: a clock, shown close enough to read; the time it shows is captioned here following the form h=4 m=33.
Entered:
h=10 m=17
